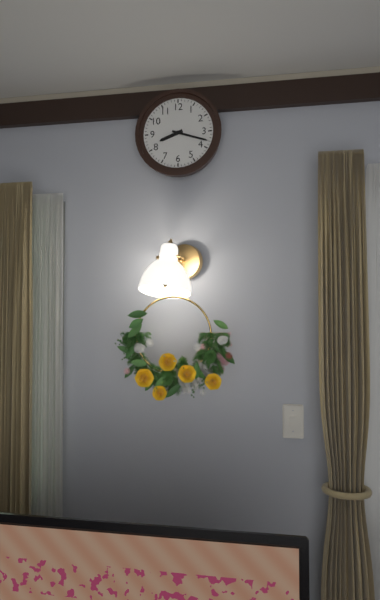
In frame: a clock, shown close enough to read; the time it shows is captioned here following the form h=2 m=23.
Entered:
h=8 m=18
